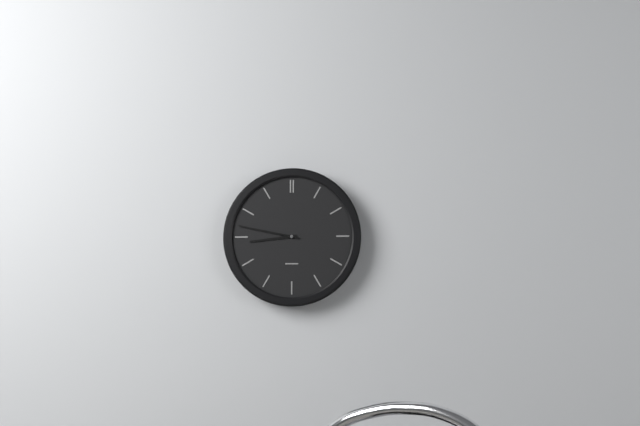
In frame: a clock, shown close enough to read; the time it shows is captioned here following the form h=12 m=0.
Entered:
h=8 m=47
